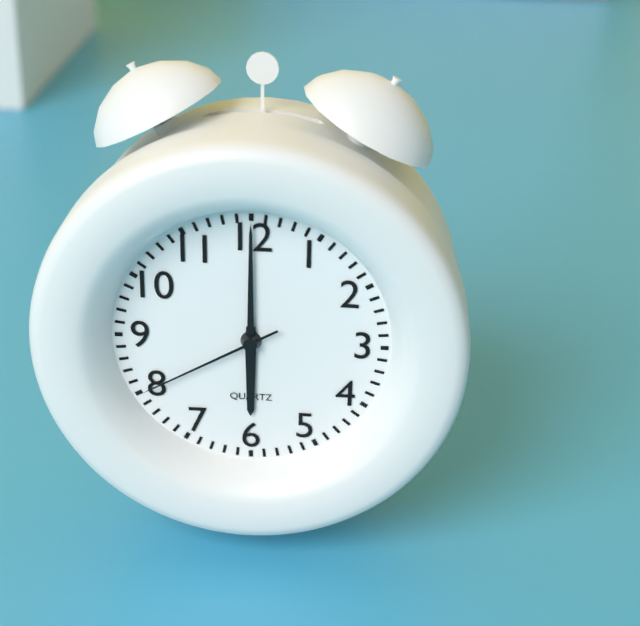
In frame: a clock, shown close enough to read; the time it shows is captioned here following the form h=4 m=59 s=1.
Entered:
h=6 m=0 s=40
